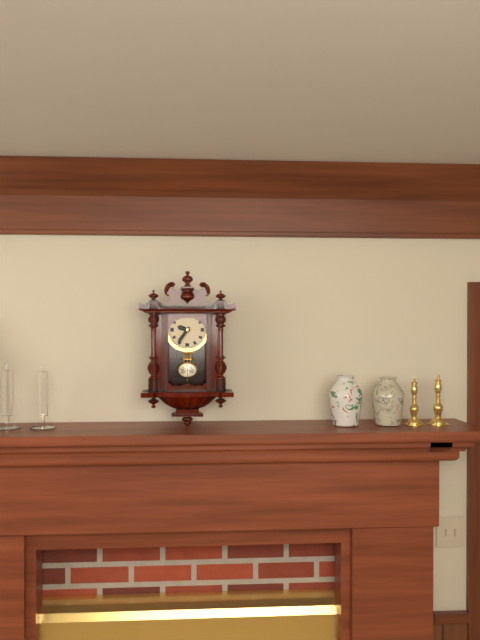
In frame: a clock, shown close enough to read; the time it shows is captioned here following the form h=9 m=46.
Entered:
h=9 m=36
